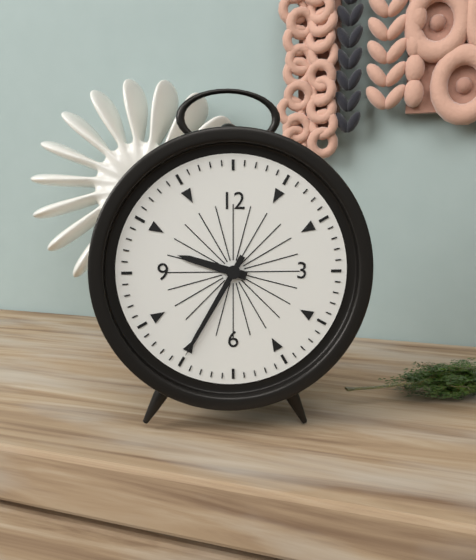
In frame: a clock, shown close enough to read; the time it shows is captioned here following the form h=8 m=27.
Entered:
h=9 m=35
